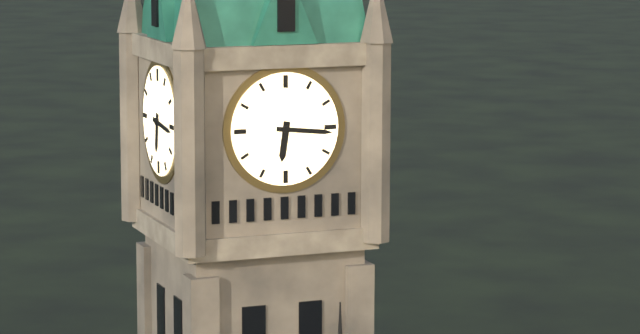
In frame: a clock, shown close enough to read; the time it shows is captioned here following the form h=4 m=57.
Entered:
h=6 m=16
